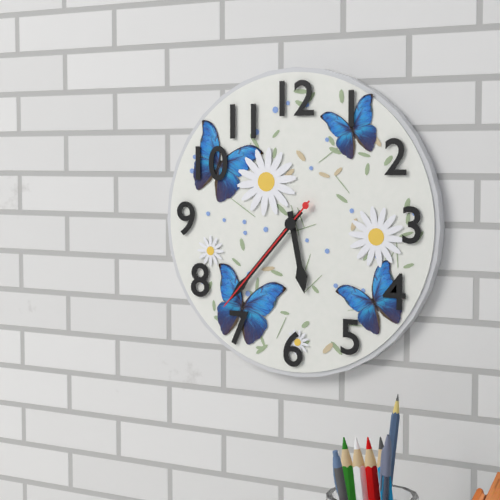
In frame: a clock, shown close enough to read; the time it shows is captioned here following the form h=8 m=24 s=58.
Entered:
h=5 m=37 s=37
